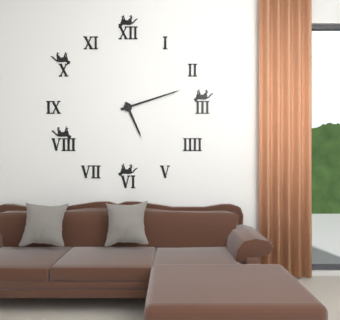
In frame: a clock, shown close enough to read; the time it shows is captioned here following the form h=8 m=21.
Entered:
h=5 m=12
